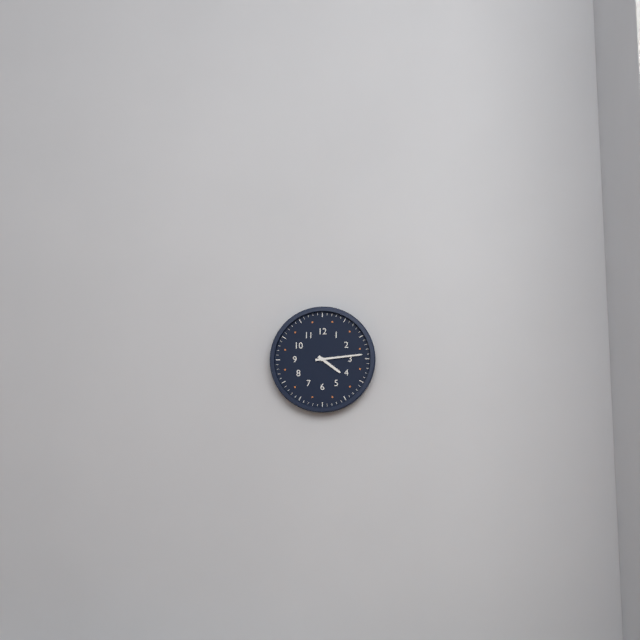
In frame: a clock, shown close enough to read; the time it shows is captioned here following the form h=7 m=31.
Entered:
h=4 m=14
